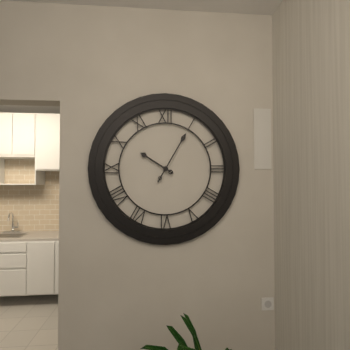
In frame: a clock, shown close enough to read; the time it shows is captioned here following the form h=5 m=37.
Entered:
h=10 m=5
